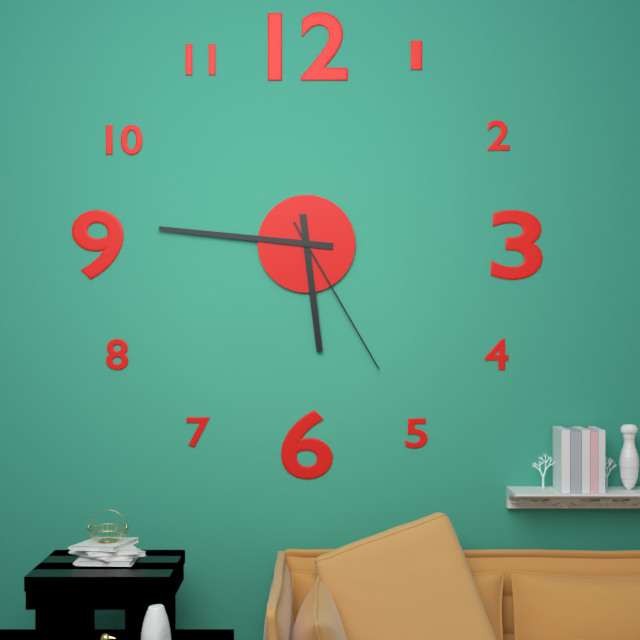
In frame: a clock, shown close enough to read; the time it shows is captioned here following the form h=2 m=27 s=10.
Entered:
h=5 m=46 s=25
